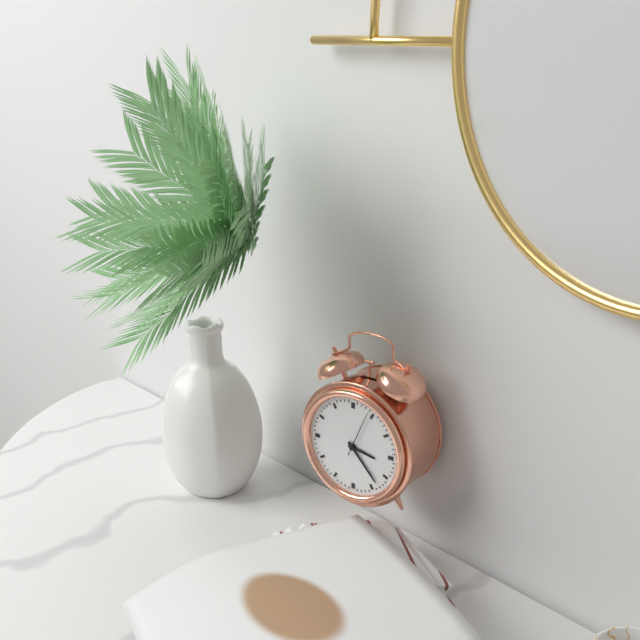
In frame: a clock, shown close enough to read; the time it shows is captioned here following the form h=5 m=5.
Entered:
h=3 m=23
